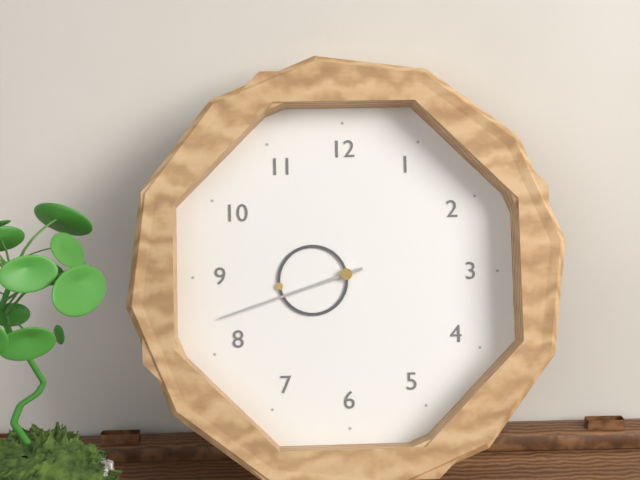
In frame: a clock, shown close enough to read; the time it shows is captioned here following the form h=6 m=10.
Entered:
h=8 m=42
